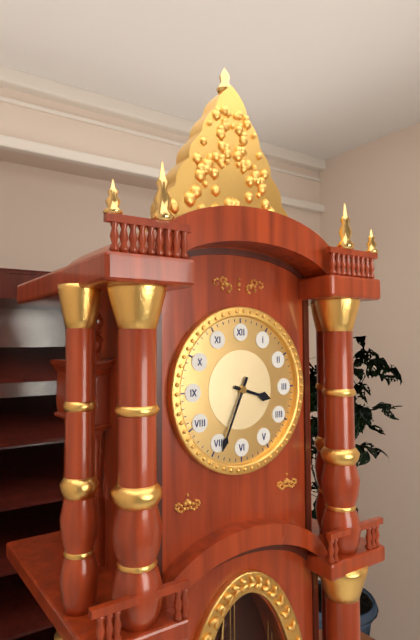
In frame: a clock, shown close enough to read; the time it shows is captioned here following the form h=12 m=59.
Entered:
h=3 m=34
